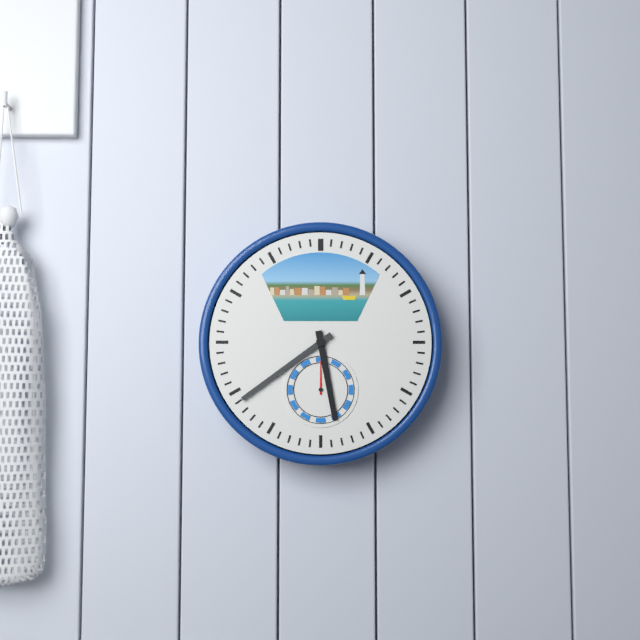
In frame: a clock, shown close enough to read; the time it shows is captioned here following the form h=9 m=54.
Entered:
h=5 m=39
